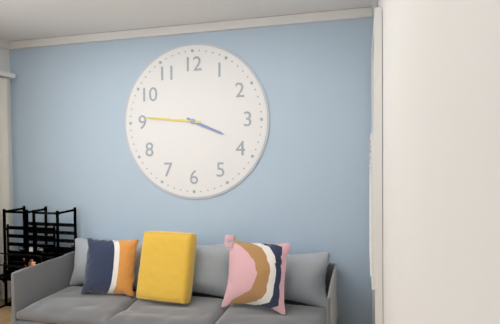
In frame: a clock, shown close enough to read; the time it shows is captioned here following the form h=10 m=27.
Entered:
h=3 m=46
